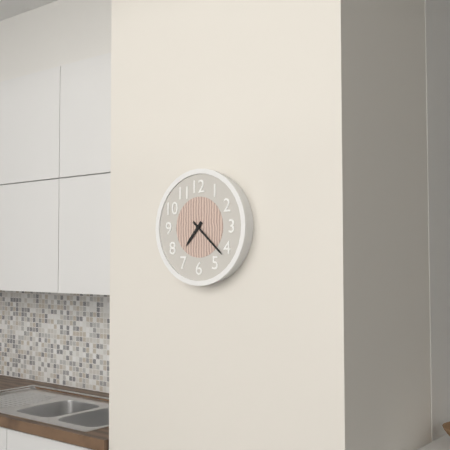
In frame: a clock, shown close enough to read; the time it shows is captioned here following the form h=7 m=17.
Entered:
h=7 m=22
